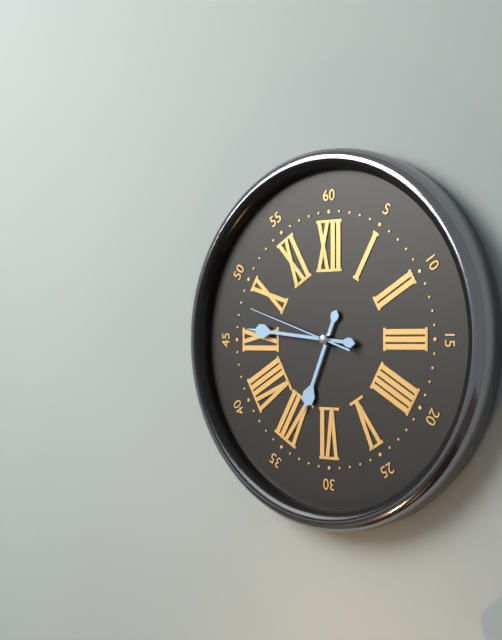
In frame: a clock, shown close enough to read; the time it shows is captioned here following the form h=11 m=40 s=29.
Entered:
h=6 m=46 s=48
